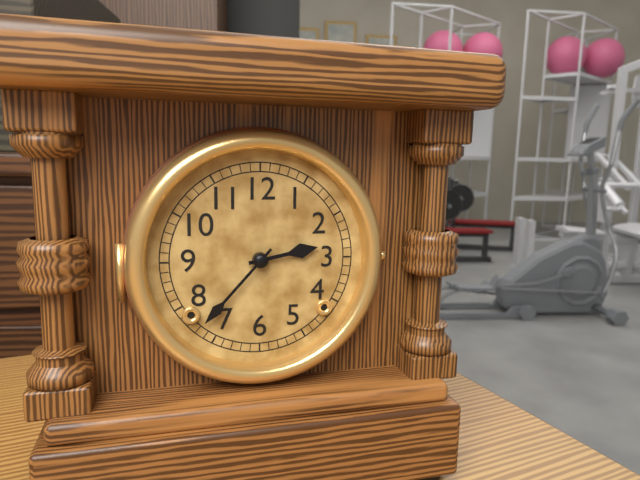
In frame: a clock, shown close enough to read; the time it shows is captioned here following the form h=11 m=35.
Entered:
h=2 m=37
